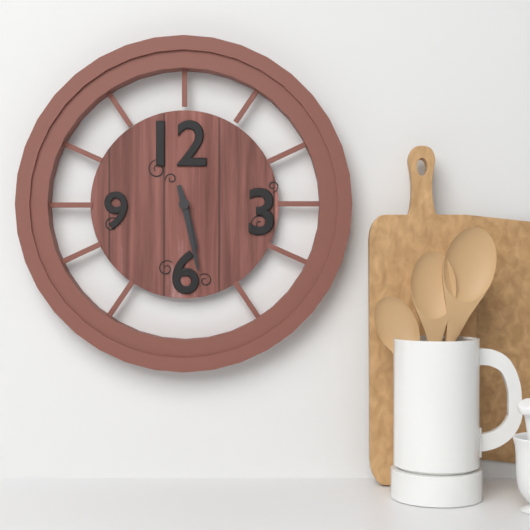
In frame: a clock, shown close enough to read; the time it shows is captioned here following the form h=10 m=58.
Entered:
h=5 m=28
